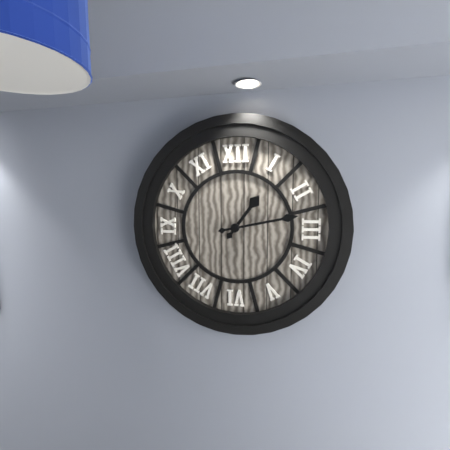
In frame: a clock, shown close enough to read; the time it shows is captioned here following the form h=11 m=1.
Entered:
h=1 m=13
